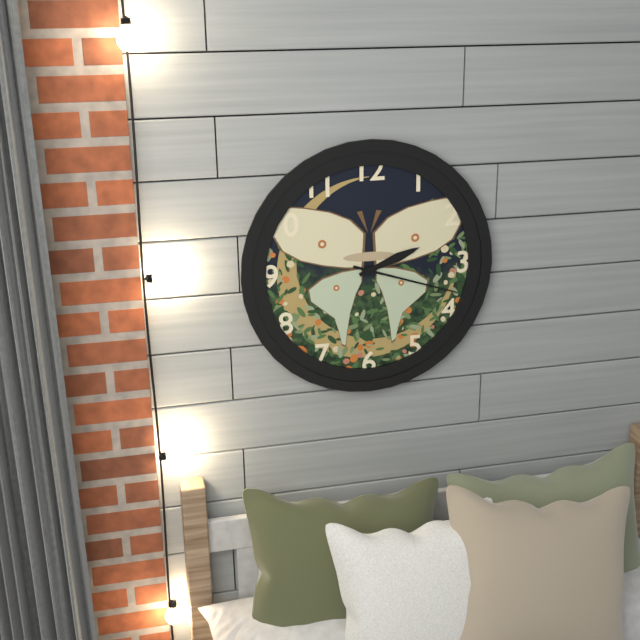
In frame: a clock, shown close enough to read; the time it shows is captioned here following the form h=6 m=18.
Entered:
h=2 m=18
